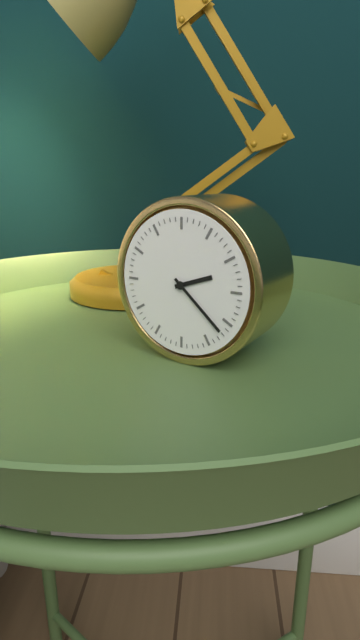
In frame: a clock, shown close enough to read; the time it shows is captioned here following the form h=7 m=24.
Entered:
h=2 m=22
